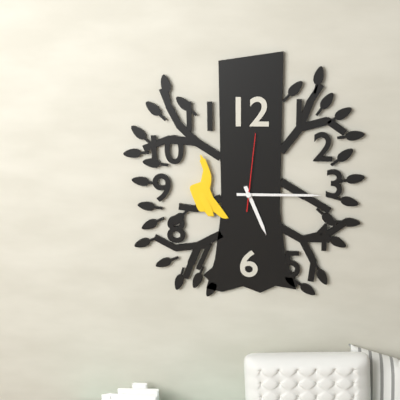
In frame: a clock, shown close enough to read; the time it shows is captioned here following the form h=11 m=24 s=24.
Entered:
h=5 m=15 s=1
